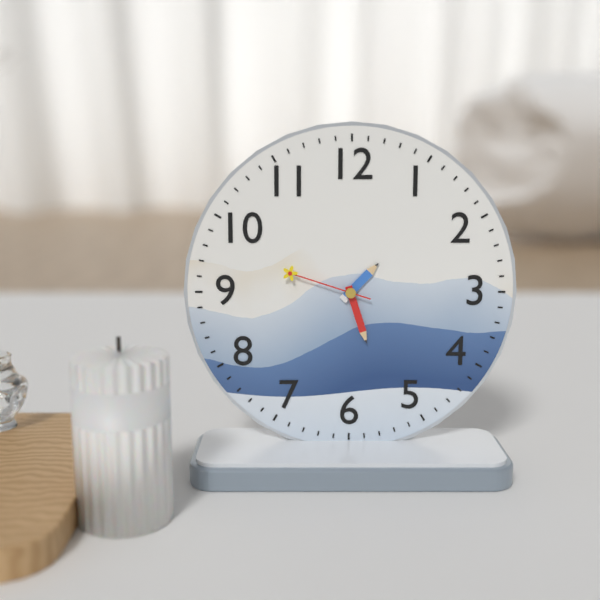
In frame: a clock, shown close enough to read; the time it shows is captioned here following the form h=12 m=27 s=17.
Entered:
h=1 m=27 s=48
